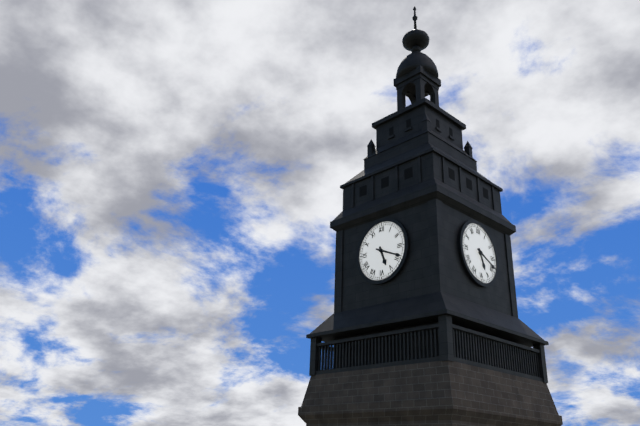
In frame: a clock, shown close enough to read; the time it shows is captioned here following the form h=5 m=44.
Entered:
h=5 m=19
